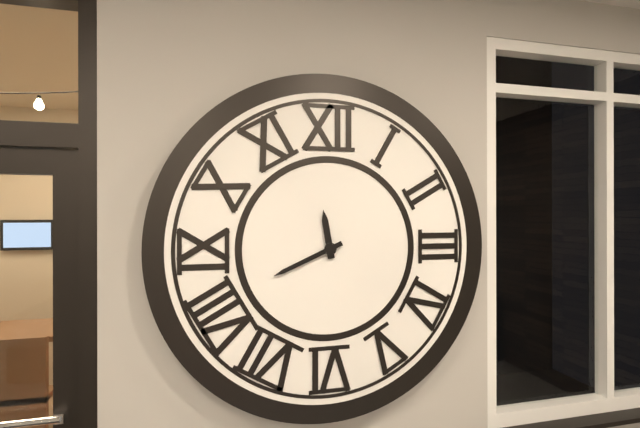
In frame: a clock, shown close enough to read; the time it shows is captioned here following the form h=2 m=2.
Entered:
h=11 m=41
